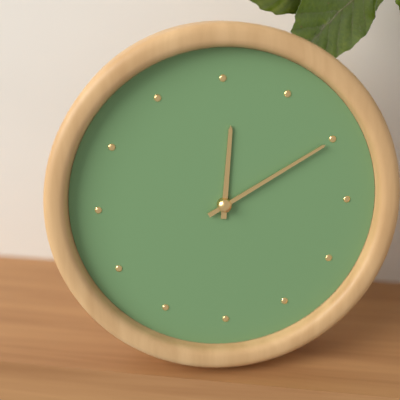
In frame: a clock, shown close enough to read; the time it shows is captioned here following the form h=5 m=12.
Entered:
h=12 m=10
